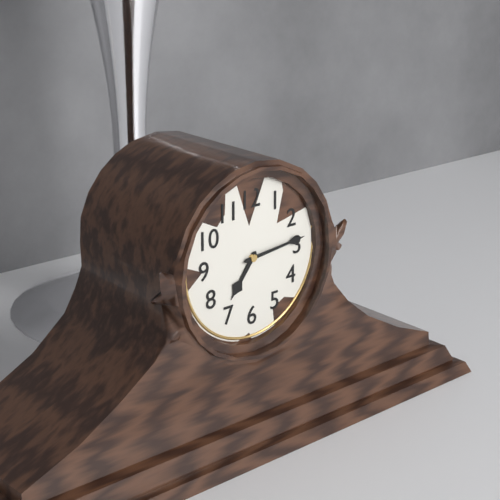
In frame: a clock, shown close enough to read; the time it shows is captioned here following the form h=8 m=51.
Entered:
h=7 m=14
